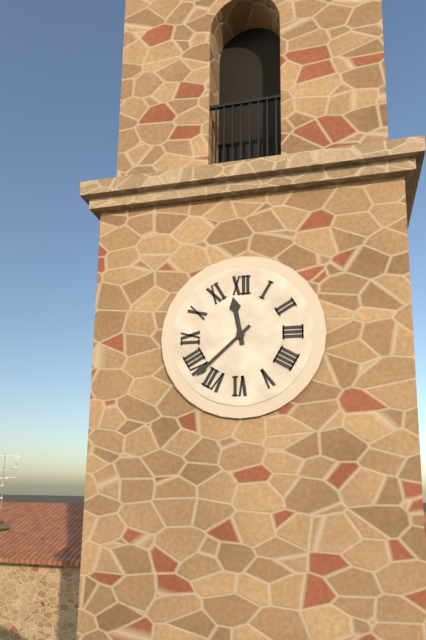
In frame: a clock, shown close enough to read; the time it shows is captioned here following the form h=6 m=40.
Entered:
h=11 m=38
